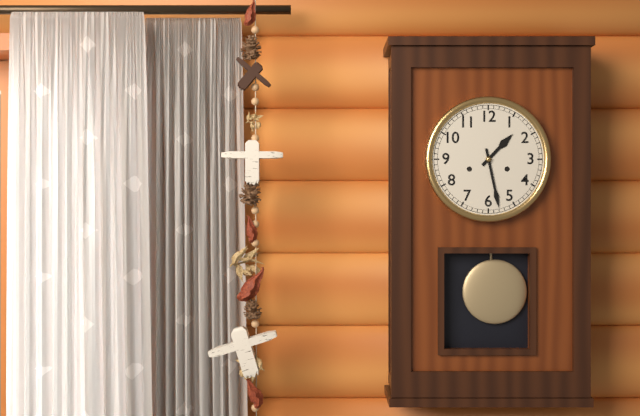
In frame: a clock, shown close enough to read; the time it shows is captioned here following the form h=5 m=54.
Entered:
h=1 m=28
